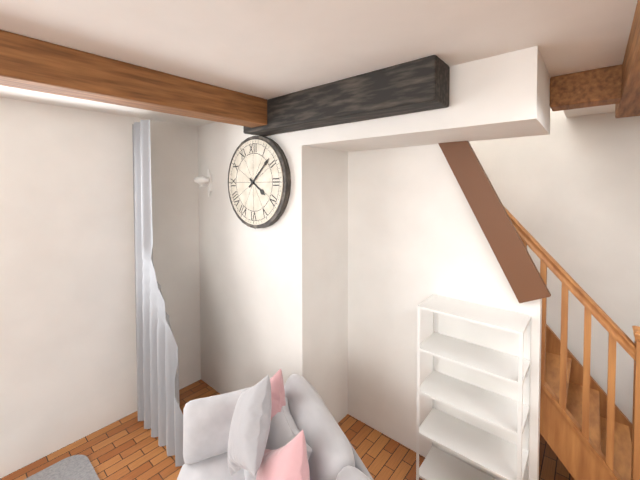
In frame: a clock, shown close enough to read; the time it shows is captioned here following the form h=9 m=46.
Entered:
h=4 m=8
